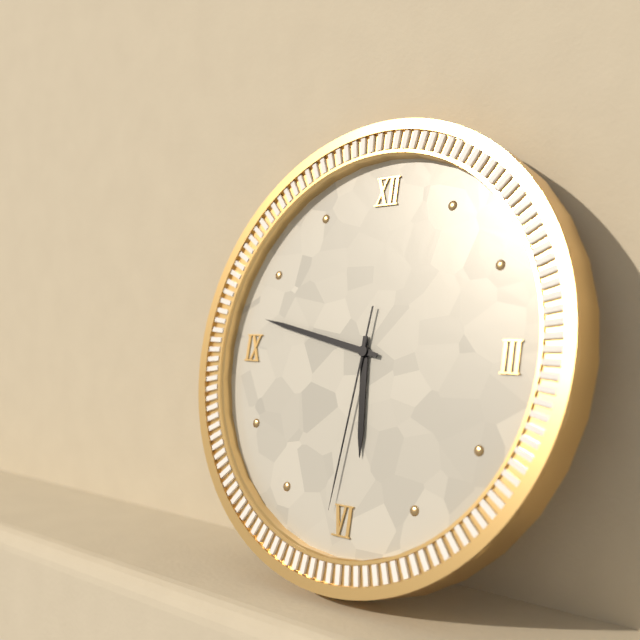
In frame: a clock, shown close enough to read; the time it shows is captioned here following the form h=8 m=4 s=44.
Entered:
h=5 m=47 s=31
